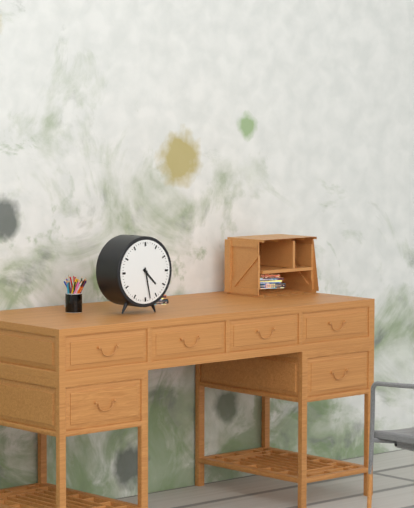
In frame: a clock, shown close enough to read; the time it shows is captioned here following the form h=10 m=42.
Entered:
h=4 m=28
